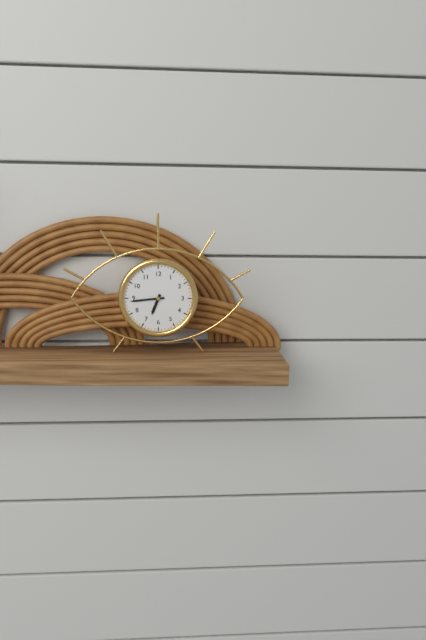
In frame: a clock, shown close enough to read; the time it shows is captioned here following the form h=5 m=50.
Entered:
h=6 m=44
